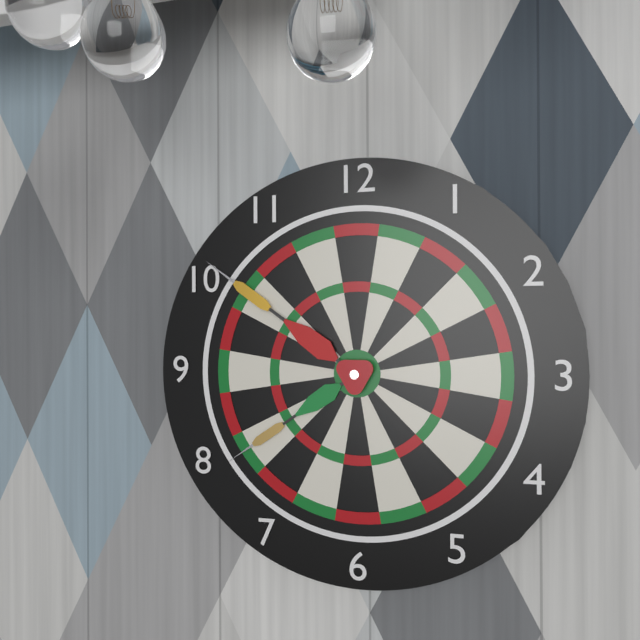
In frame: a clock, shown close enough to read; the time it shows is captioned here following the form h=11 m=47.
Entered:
h=7 m=51
